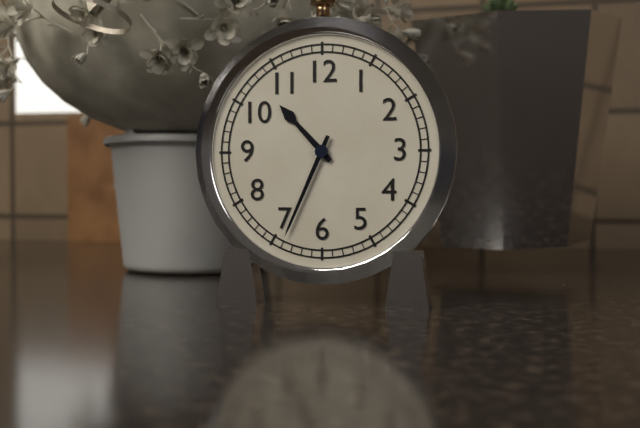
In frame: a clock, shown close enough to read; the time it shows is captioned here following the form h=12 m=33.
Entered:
h=10 m=34
